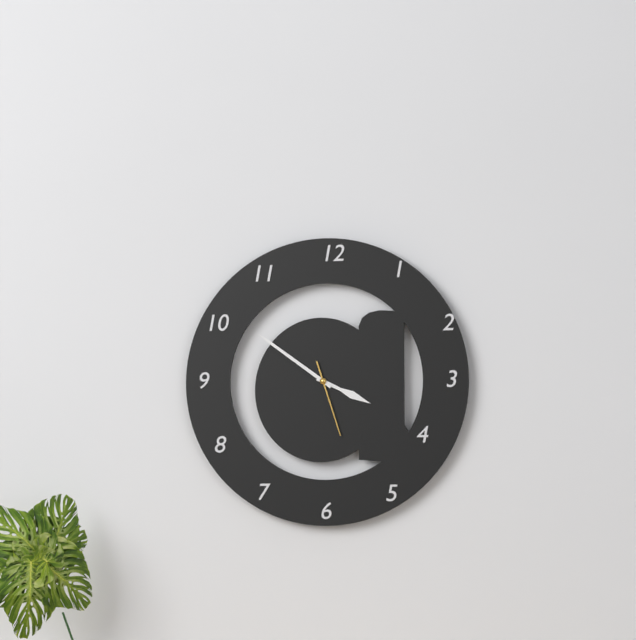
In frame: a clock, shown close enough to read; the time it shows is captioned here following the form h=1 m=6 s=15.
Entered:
h=3 m=51 s=27
